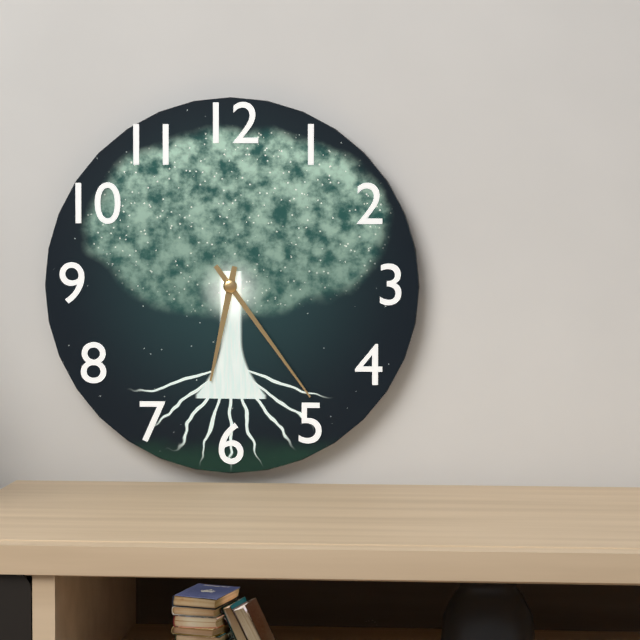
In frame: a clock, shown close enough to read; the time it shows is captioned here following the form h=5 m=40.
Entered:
h=6 m=24
